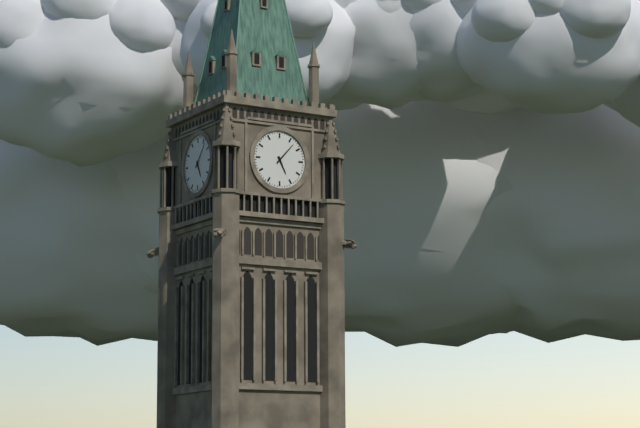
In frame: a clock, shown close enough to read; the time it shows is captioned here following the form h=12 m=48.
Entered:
h=5 m=7
